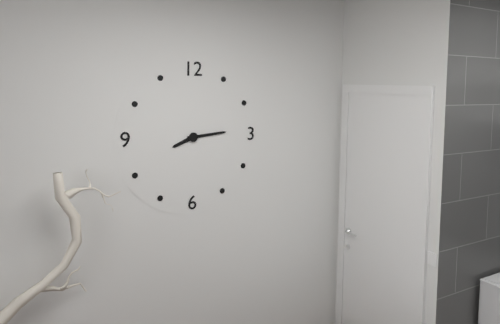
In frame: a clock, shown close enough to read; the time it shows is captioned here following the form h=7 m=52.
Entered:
h=8 m=14
